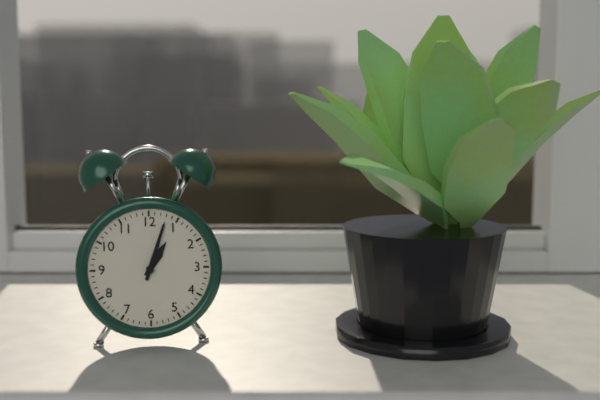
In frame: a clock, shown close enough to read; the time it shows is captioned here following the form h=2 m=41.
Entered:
h=1 m=3
